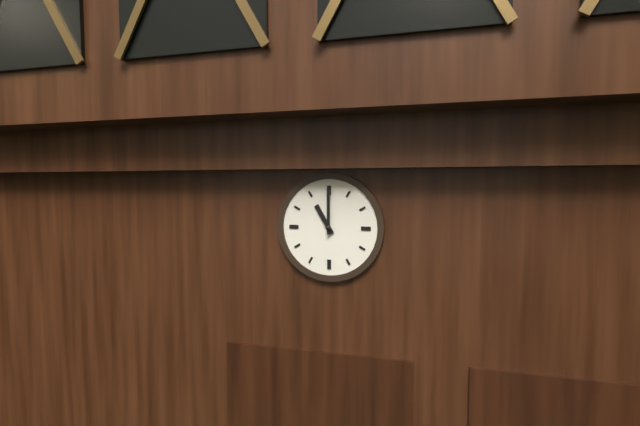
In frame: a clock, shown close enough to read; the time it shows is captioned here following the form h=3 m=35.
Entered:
h=11 m=0
